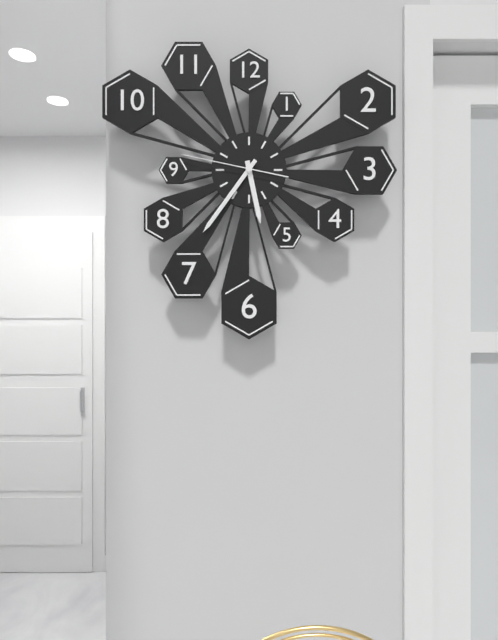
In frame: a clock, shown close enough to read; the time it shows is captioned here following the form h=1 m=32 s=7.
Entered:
h=5 m=36 s=47
